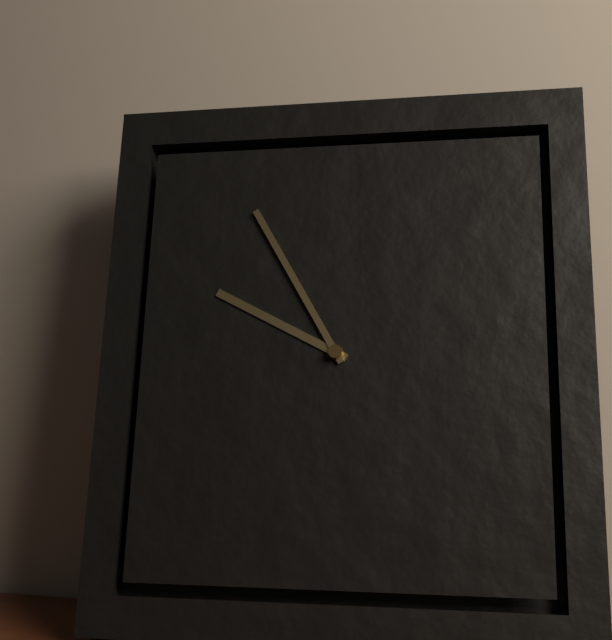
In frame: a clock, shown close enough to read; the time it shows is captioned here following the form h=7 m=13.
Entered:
h=9 m=55
